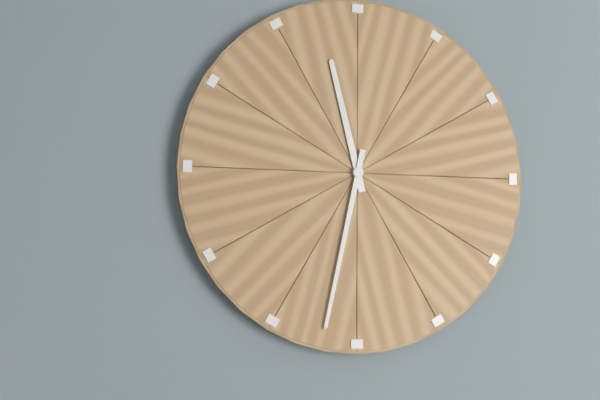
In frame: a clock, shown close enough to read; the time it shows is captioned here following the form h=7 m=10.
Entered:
h=11 m=32
